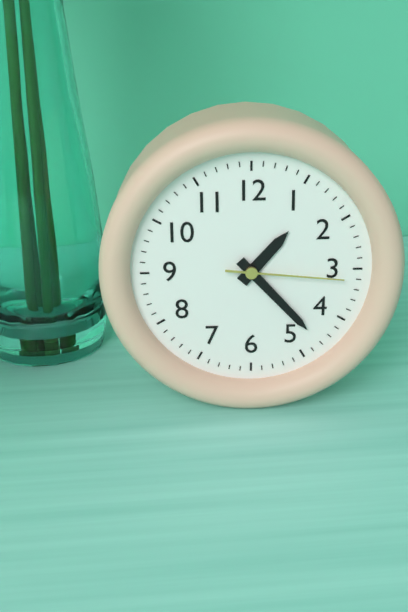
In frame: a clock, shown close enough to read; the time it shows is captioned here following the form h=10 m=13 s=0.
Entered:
h=1 m=23 s=16
